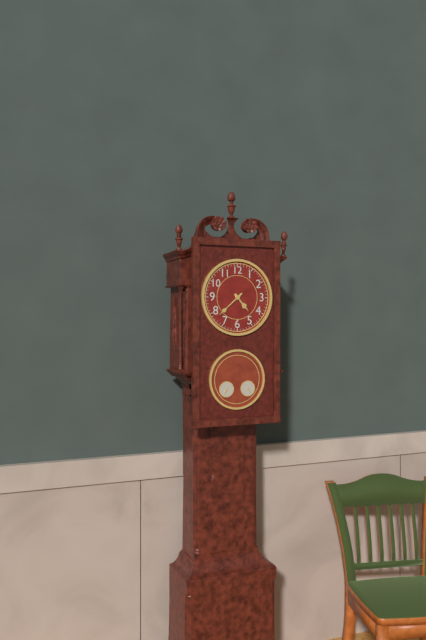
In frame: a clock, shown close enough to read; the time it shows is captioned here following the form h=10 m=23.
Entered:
h=4 m=38
